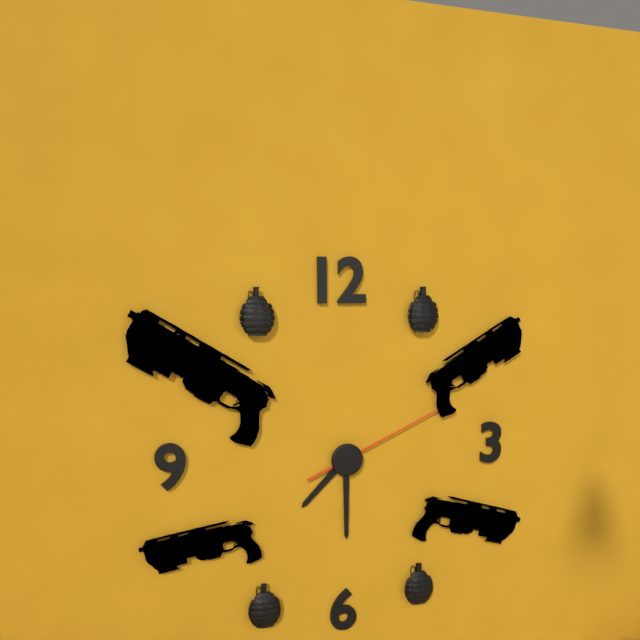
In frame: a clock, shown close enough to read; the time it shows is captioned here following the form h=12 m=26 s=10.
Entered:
h=7 m=30 s=11
